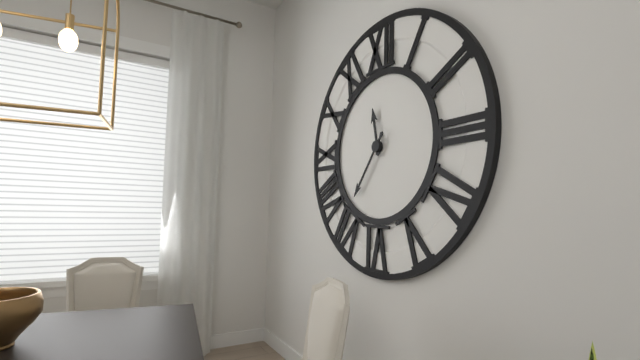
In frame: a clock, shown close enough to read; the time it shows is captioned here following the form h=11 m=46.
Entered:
h=11 m=36
